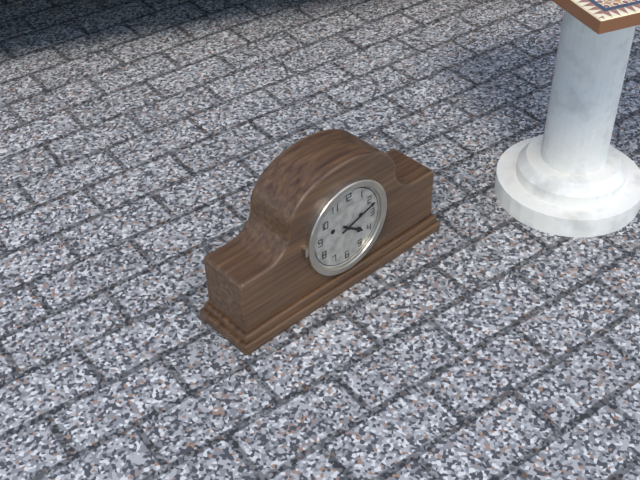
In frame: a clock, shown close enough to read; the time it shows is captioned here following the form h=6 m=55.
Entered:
h=4 m=12
